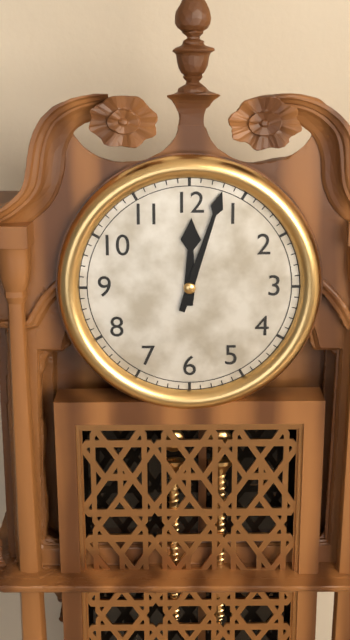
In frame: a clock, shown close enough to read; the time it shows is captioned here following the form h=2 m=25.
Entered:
h=12 m=3
